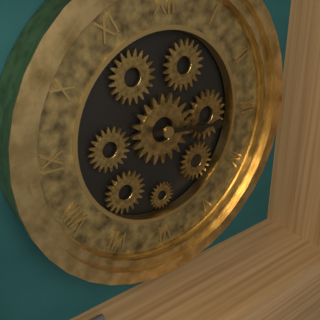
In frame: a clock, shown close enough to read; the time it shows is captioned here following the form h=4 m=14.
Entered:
h=3 m=16
